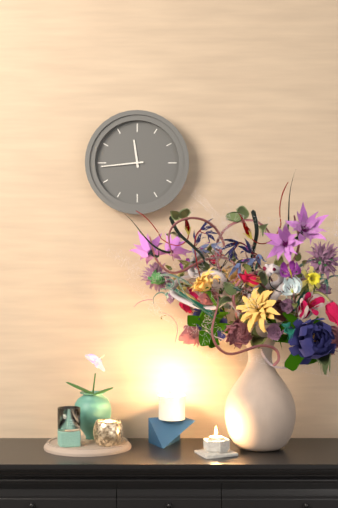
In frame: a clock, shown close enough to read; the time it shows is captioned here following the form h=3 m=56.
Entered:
h=11 m=44
